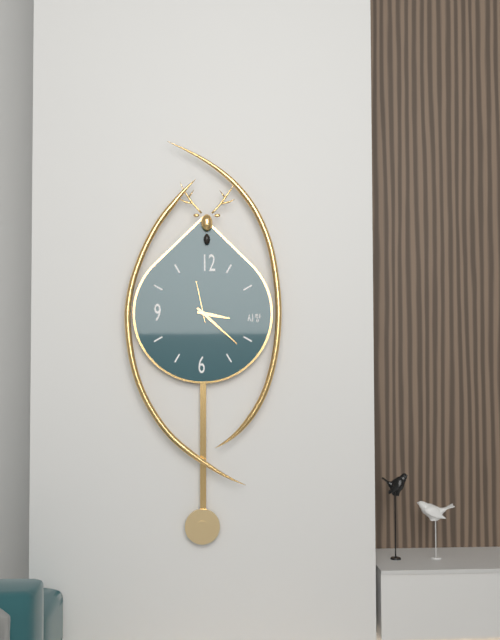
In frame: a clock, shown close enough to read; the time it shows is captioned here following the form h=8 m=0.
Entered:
h=3 m=22
